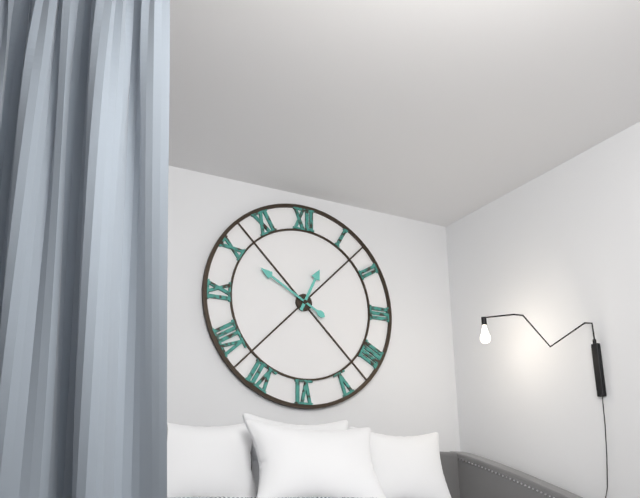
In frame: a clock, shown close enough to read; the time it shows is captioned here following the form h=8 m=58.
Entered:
h=12 m=50
